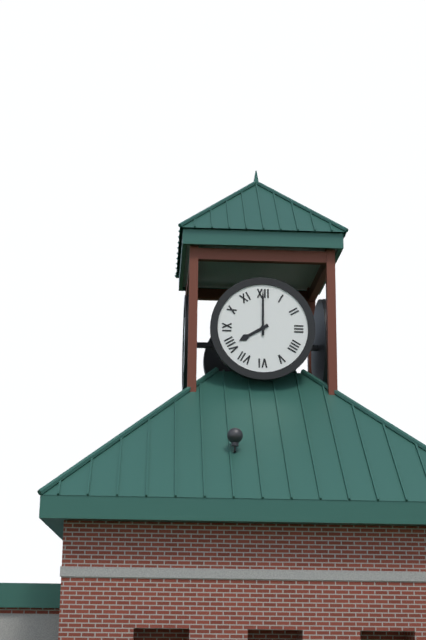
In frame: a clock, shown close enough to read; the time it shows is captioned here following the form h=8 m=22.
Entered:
h=8 m=0
